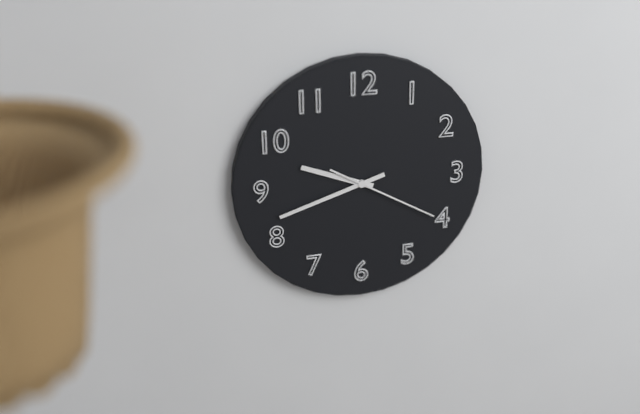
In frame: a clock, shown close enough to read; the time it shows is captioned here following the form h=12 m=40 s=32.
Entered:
h=9 m=42 s=20
